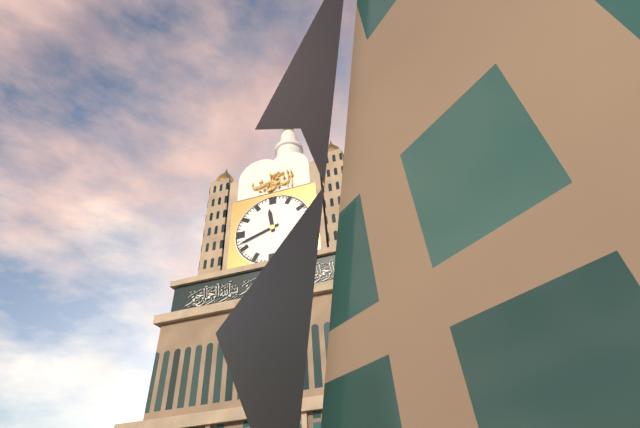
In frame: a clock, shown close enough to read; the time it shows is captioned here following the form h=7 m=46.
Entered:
h=11 m=42
